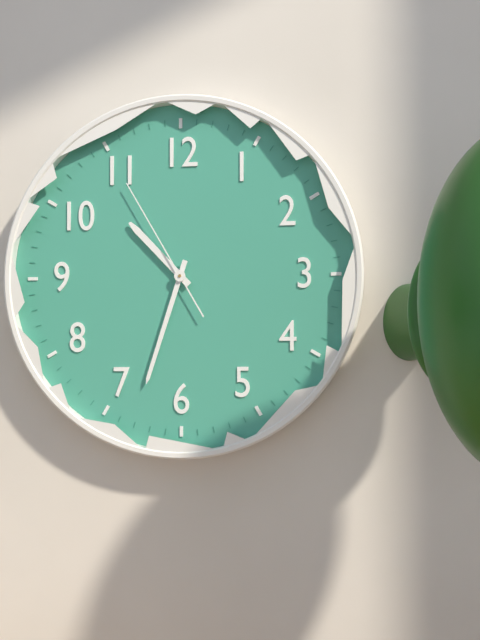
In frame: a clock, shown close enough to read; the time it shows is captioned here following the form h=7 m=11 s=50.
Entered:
h=10 m=33 s=55
